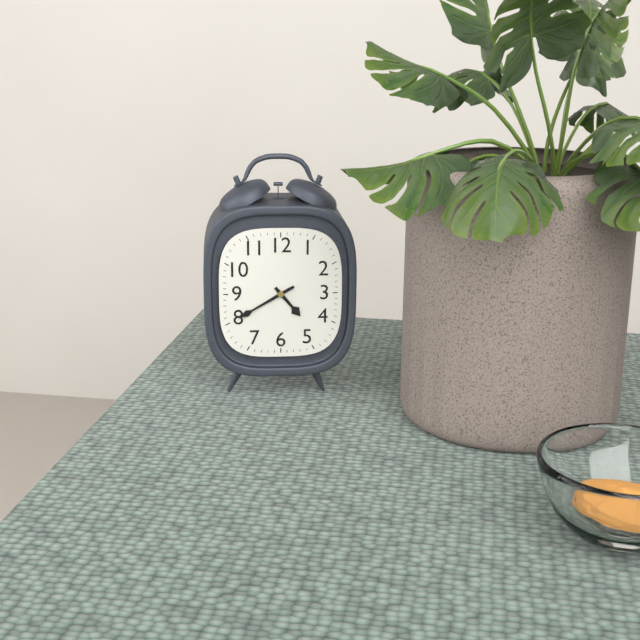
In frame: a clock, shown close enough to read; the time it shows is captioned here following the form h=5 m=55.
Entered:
h=4 m=40
